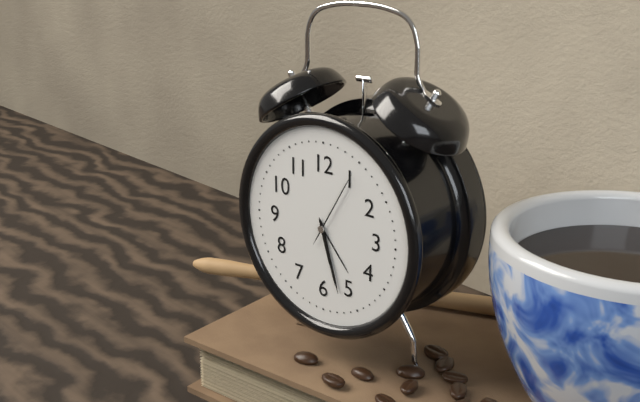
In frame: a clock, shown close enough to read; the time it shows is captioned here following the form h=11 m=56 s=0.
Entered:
h=5 m=27 s=5
